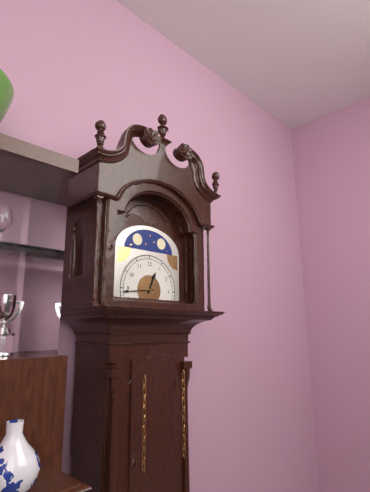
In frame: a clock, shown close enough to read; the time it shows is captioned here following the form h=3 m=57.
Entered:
h=12 m=44
